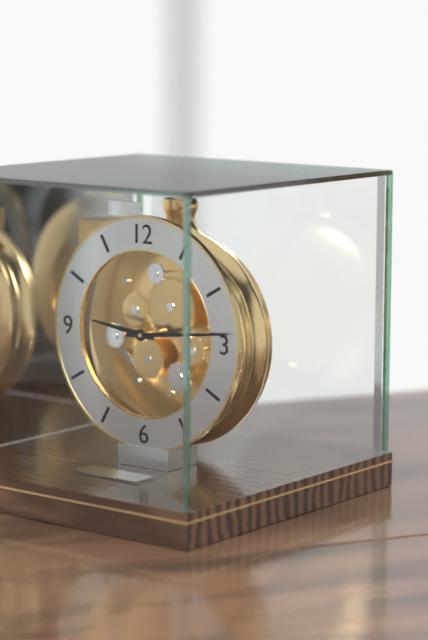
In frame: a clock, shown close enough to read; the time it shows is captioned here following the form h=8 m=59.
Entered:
h=9 m=14
